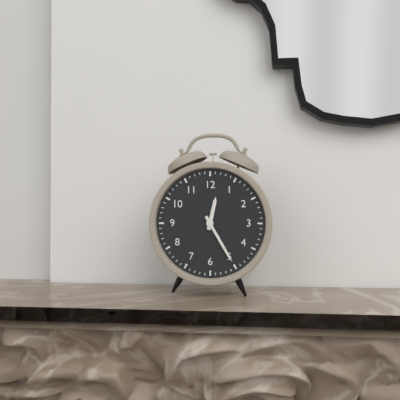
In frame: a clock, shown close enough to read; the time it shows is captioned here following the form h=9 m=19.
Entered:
h=12 m=25
